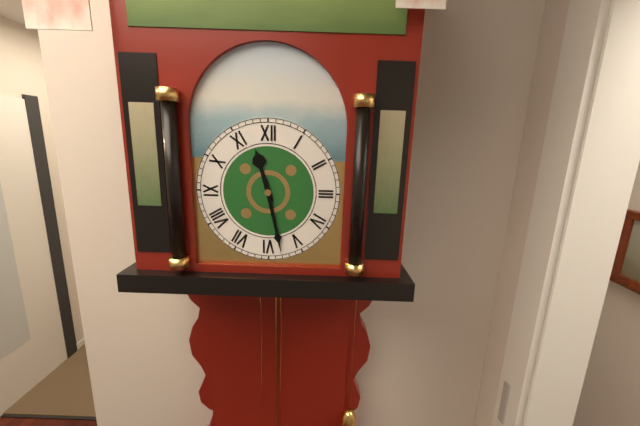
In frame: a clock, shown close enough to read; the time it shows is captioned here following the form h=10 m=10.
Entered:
h=11 m=28
